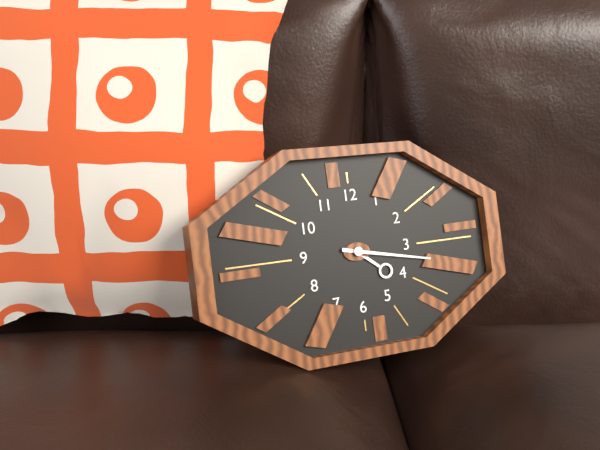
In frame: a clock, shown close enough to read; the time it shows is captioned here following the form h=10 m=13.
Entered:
h=4 m=17
